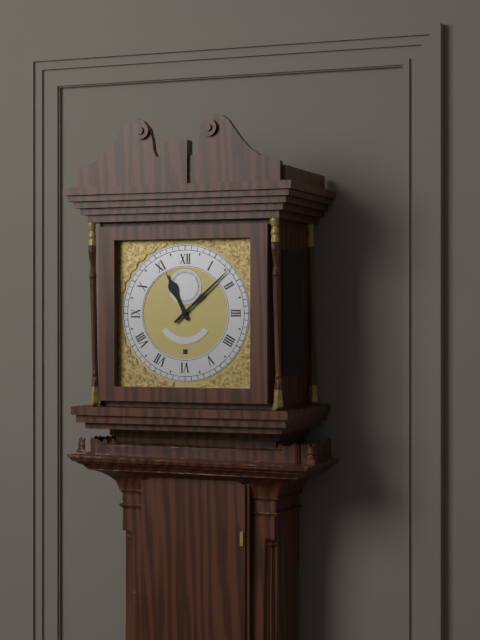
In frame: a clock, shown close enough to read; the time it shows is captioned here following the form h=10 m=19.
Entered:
h=11 m=8
